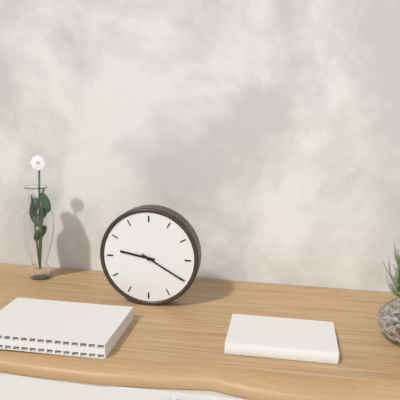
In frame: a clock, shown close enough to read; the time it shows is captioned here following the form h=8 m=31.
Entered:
h=9 m=20
